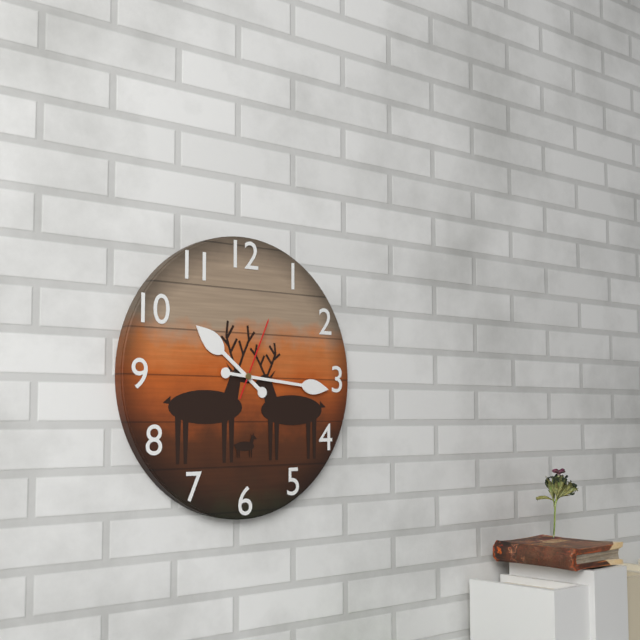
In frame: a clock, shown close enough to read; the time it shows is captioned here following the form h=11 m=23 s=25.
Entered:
h=10 m=16 s=4
